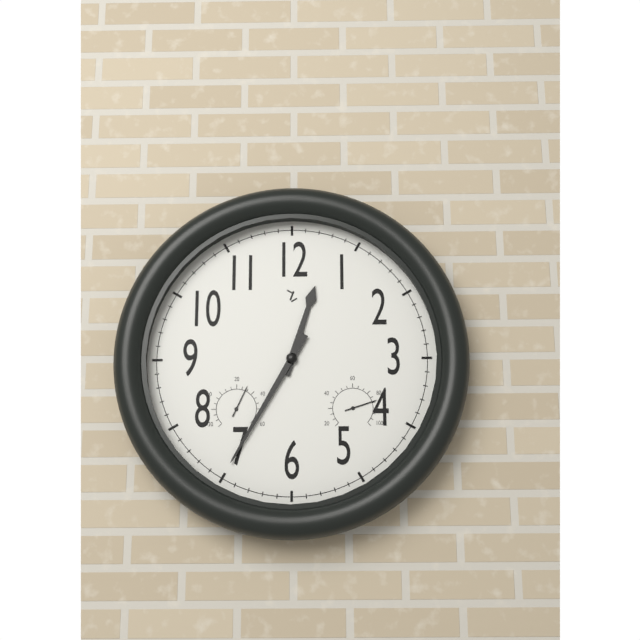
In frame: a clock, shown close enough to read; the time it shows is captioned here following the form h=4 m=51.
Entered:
h=12 m=35
